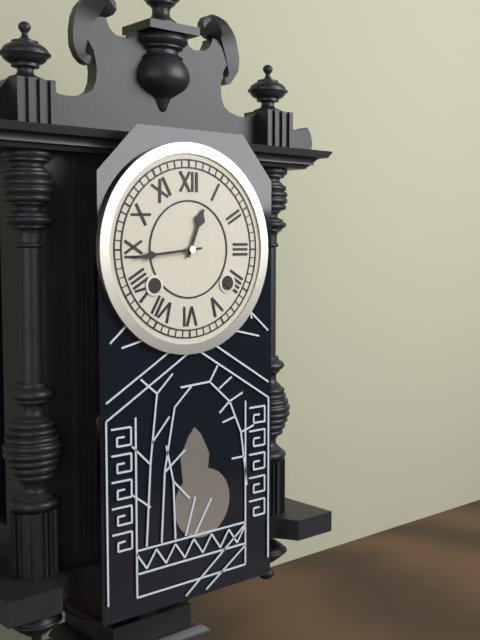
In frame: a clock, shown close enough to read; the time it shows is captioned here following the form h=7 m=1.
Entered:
h=12 m=44
